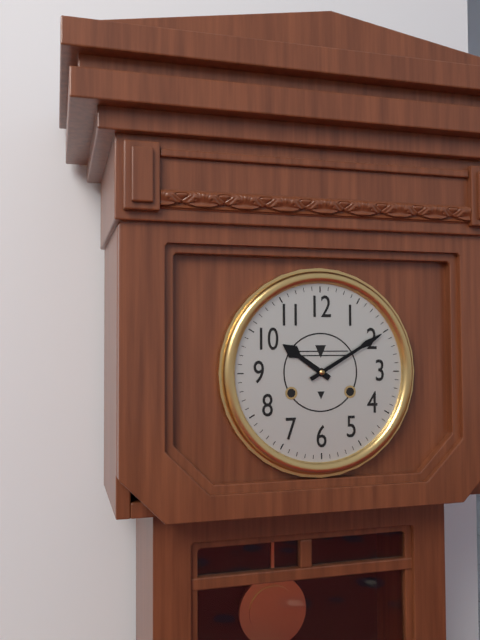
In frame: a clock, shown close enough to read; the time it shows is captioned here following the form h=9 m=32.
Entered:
h=10 m=10
